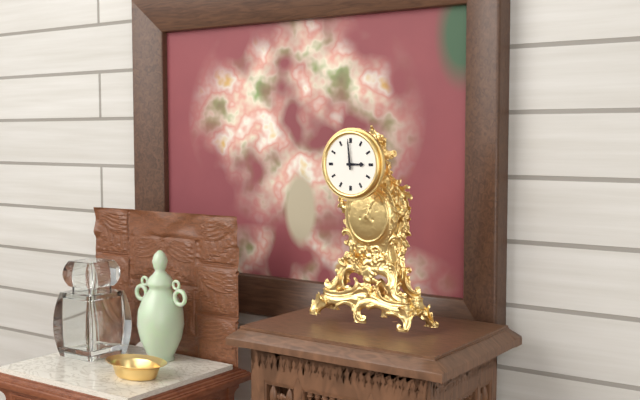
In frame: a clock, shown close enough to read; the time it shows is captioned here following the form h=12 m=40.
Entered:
h=2 m=59
